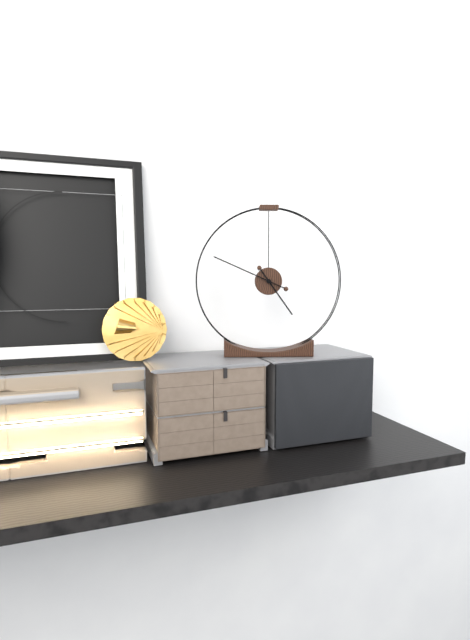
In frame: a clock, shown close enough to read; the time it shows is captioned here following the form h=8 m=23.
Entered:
h=4 m=49
